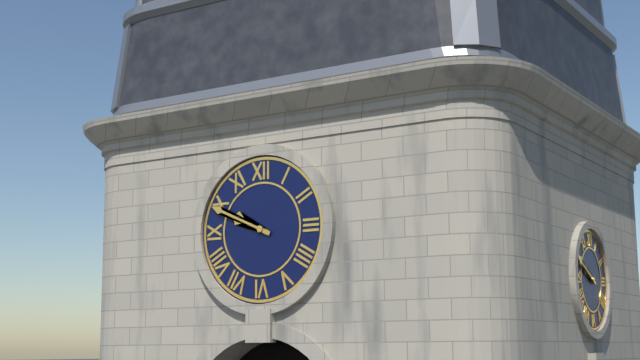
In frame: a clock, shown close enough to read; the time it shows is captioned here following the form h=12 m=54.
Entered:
h=9 m=49
